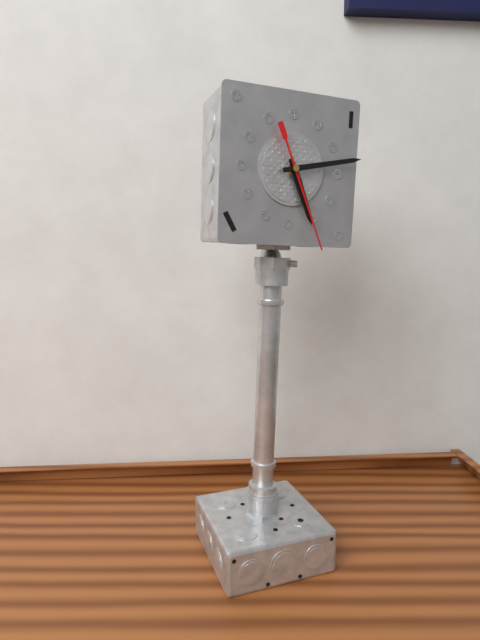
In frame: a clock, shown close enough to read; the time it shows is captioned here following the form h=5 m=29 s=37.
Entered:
h=5 m=13 s=26
